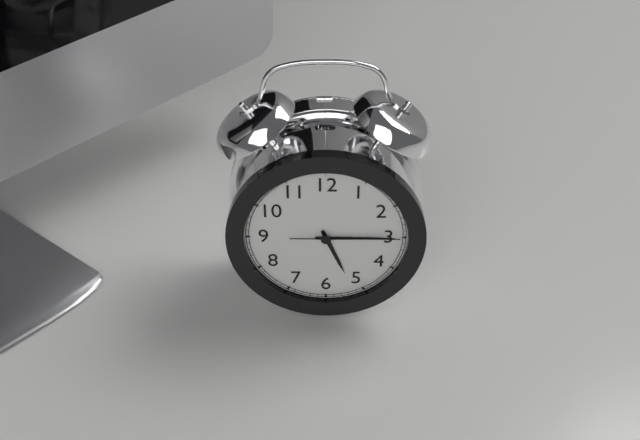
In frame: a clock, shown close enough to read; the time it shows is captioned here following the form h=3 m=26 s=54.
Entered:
h=5 m=15 s=15
